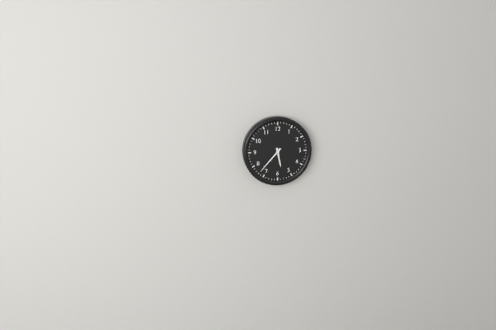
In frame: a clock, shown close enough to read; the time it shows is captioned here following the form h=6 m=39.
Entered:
h=5 m=37
